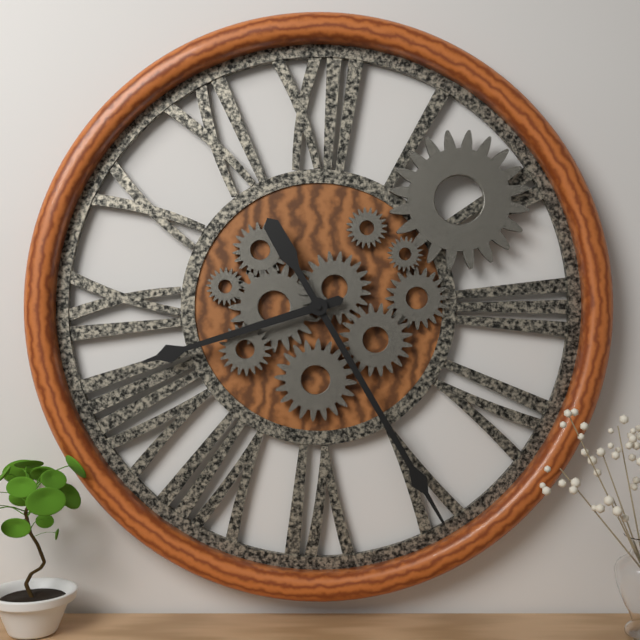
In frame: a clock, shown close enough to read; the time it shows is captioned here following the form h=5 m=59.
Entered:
h=8 m=25
